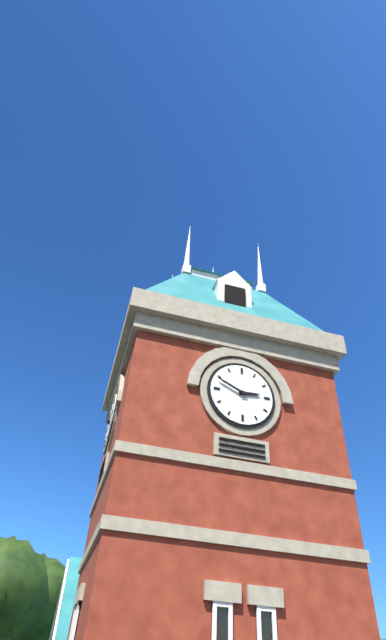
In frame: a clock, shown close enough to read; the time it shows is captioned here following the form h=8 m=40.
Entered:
h=2 m=49
